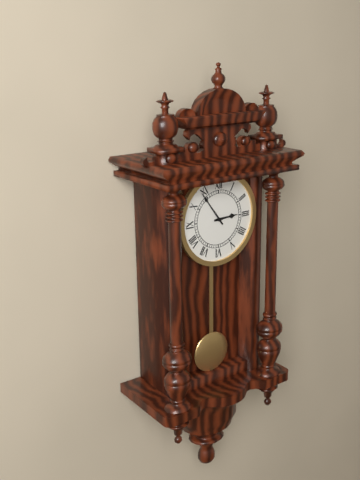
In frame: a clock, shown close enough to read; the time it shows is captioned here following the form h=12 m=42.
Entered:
h=2 m=54
